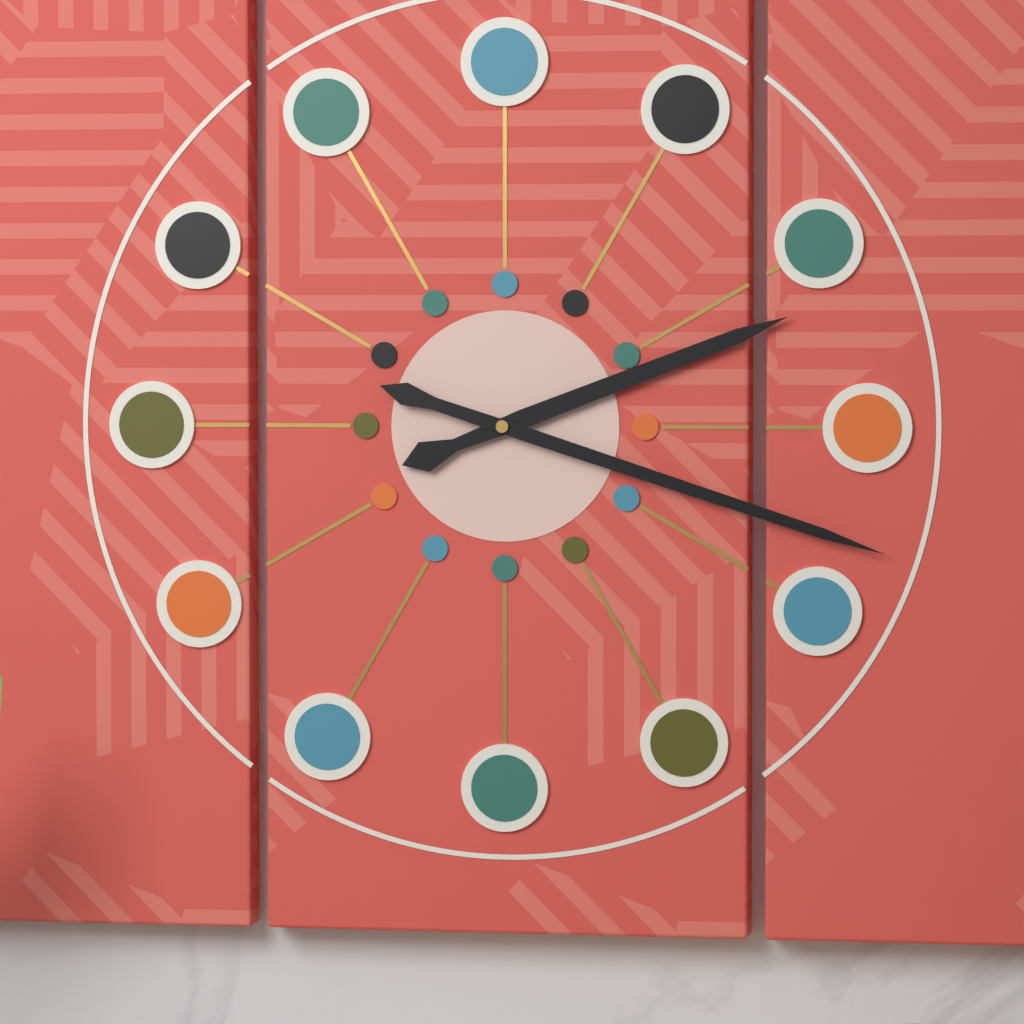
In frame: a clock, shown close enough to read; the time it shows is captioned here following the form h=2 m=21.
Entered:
h=2 m=18
